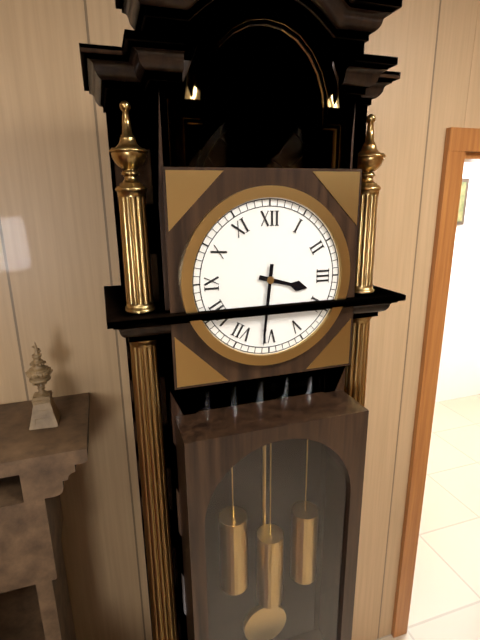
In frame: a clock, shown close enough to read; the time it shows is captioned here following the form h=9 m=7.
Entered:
h=3 m=31
